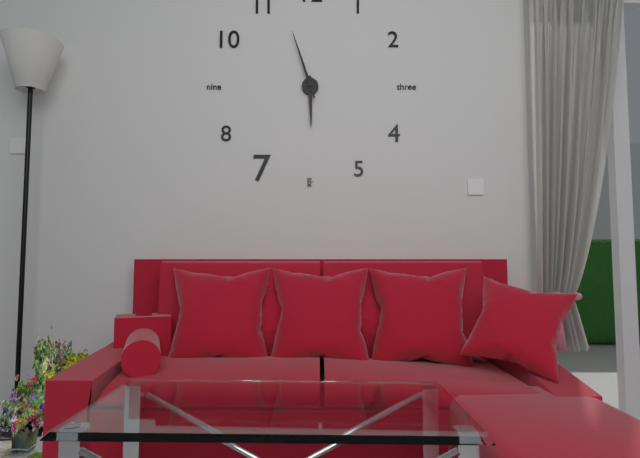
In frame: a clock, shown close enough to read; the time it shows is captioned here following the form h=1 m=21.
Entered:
h=5 m=57
